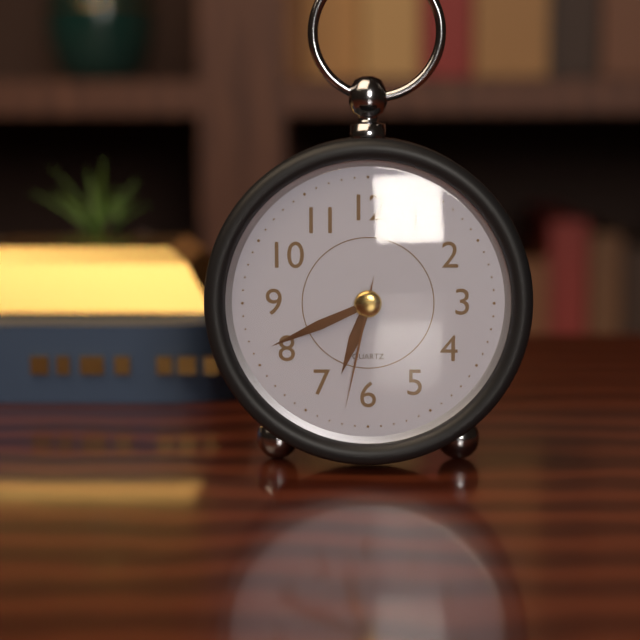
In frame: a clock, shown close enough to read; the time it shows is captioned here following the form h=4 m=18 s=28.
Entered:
h=6 m=41 s=32
